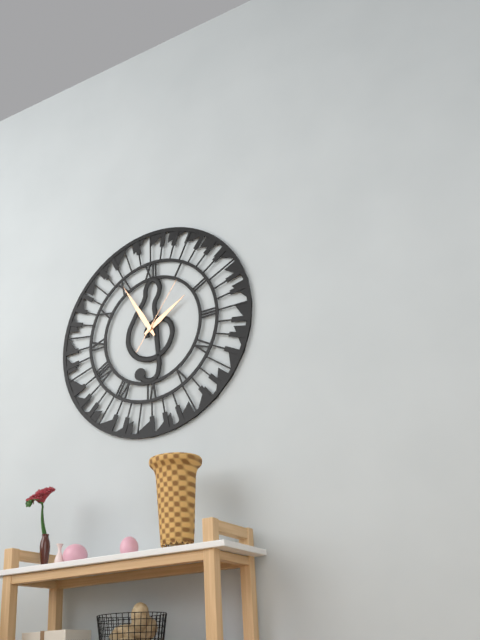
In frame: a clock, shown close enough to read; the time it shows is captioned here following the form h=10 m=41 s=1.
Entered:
h=1 m=55 s=6
